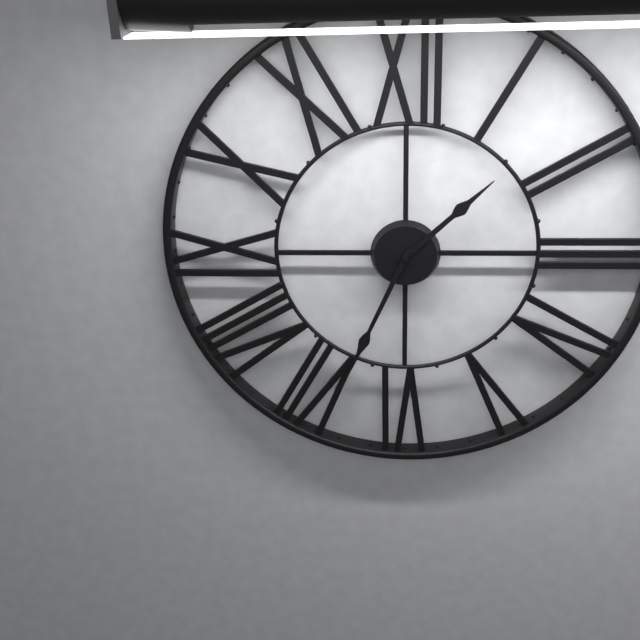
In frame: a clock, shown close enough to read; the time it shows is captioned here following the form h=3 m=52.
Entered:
h=1 m=34
